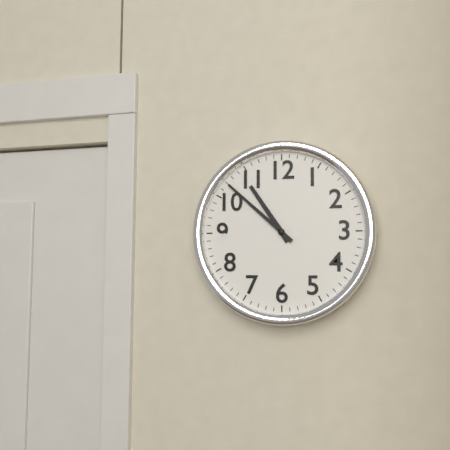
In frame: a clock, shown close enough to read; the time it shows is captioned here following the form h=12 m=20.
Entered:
h=10 m=52
